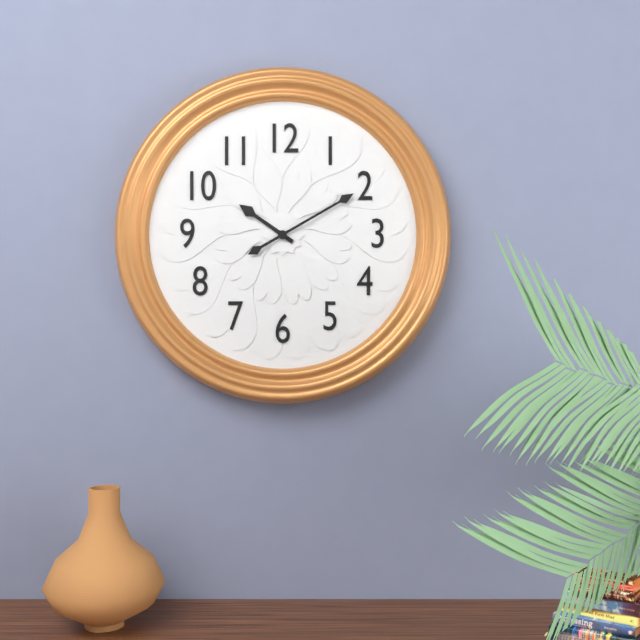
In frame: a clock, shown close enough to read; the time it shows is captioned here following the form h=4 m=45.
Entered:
h=10 m=10
